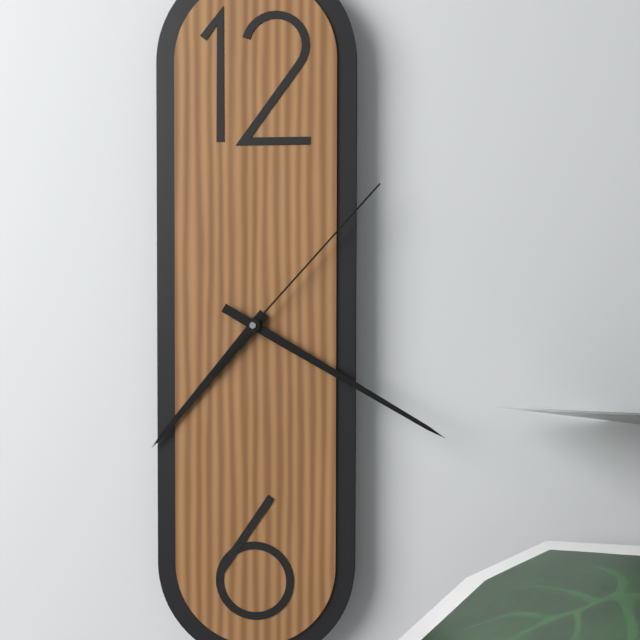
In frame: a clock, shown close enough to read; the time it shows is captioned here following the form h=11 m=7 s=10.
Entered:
h=7 m=20 s=7
